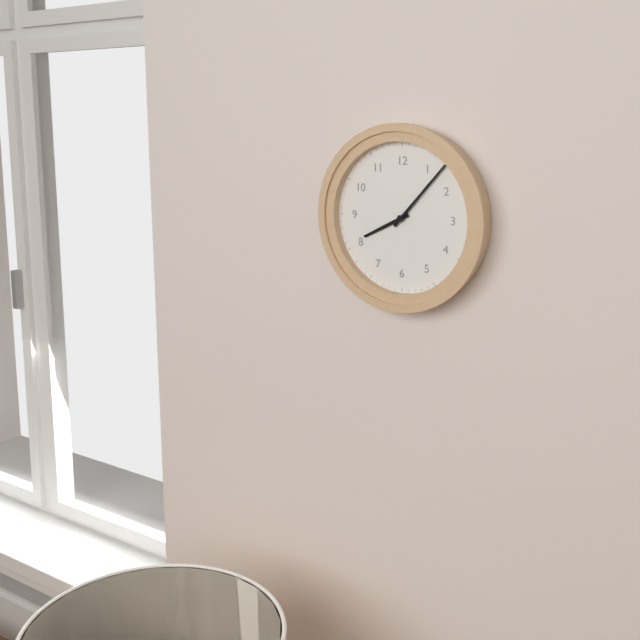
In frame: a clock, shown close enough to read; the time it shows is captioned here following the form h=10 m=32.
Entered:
h=8 m=7
